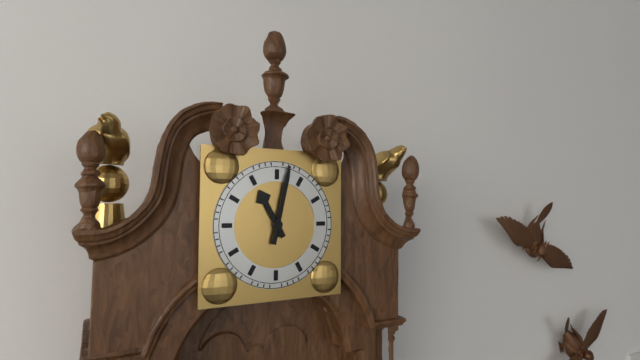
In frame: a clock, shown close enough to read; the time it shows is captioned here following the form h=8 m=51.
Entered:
h=11 m=2
